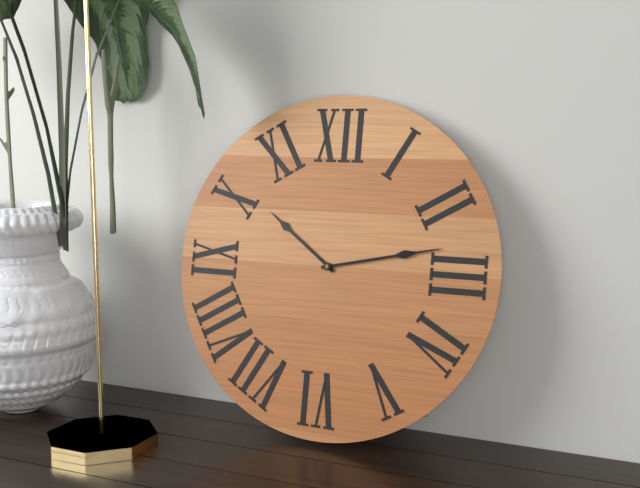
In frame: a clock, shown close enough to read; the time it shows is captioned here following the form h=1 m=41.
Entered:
h=10 m=13
